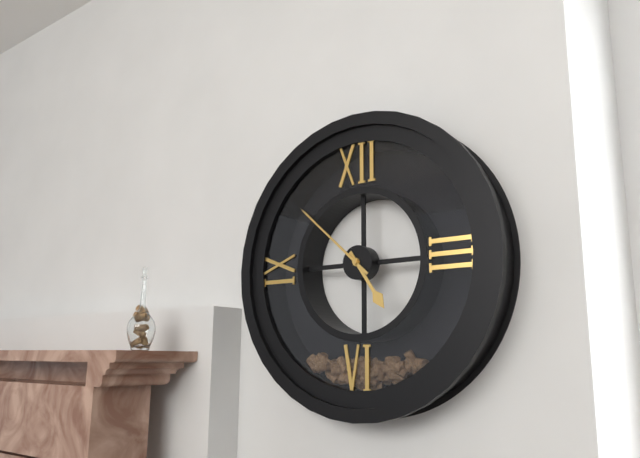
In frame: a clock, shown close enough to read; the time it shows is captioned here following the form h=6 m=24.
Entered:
h=4 m=52
